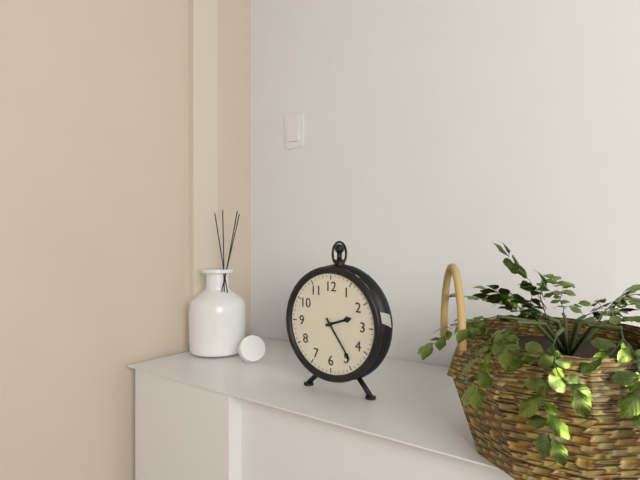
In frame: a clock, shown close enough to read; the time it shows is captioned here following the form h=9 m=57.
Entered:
h=2 m=24
